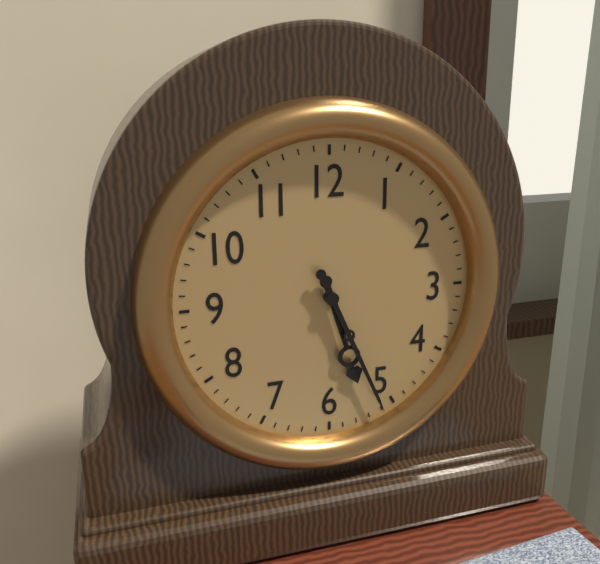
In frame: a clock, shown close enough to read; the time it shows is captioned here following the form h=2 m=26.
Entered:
h=5 m=26
